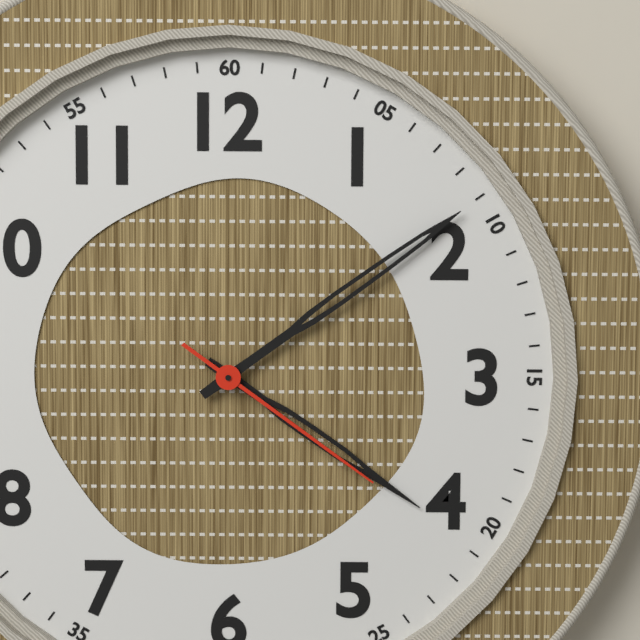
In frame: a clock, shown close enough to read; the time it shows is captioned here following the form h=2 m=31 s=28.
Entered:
h=4 m=9 s=21
